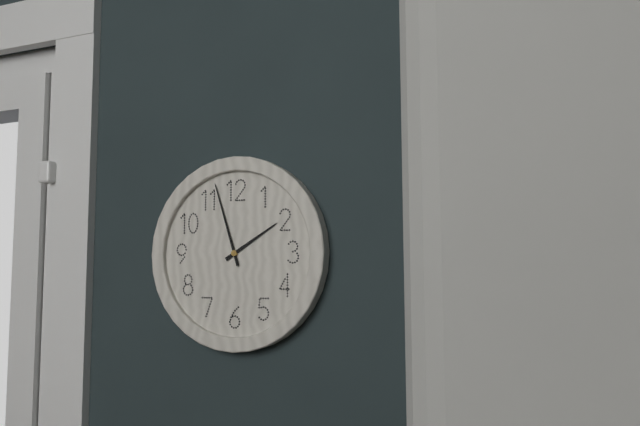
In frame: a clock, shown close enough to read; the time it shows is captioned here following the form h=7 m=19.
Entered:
h=1 m=57
